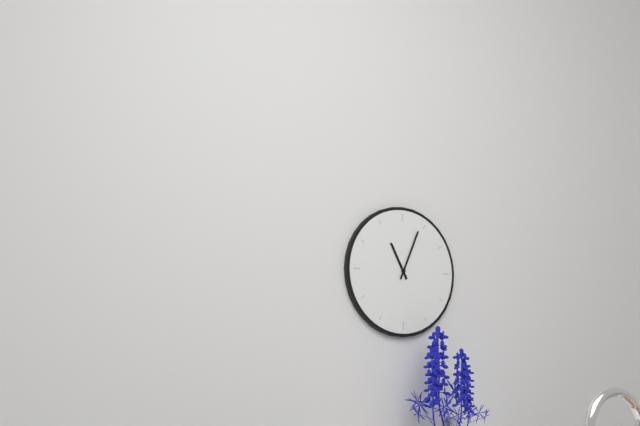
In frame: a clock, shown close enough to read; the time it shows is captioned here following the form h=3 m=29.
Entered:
h=11 m=4
